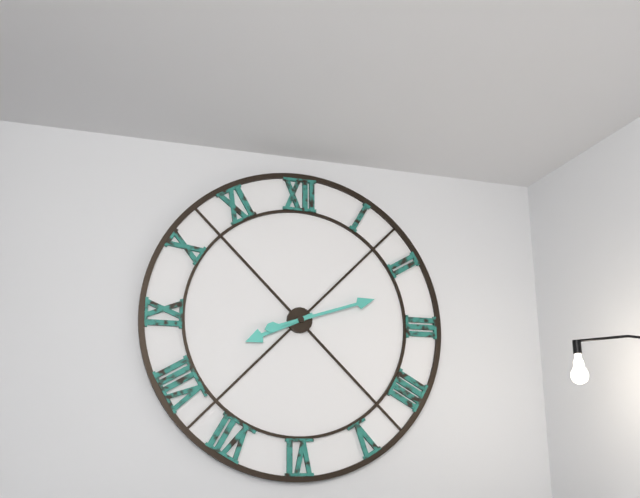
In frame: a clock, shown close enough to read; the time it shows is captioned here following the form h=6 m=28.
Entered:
h=8 m=12
